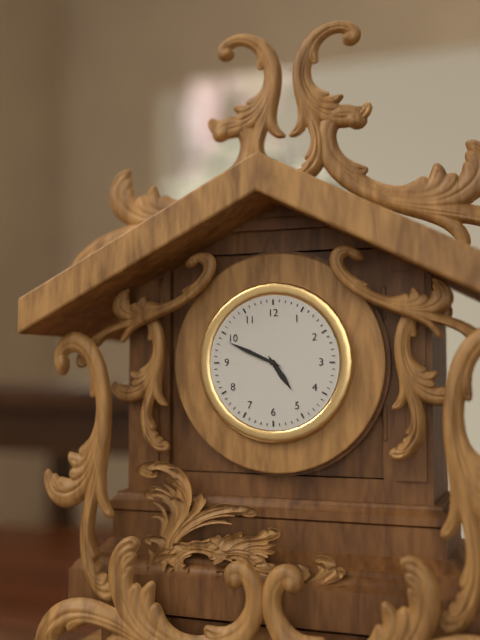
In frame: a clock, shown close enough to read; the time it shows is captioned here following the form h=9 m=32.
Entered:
h=4 m=49
